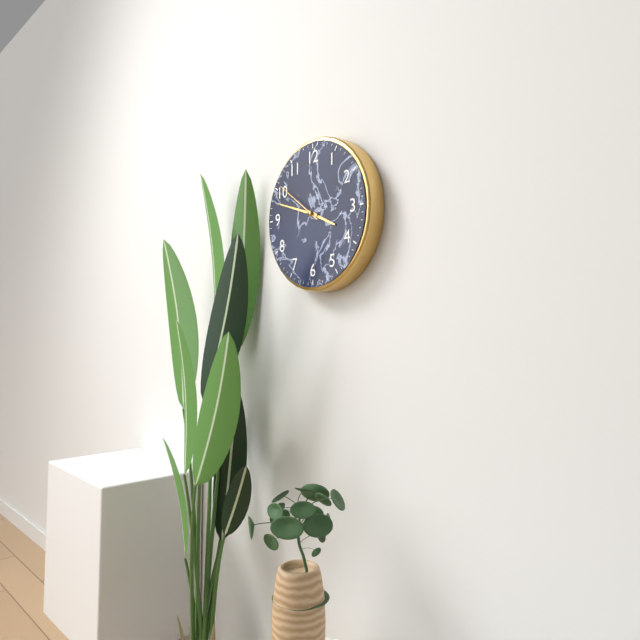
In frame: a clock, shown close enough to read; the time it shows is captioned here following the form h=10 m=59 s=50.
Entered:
h=3 m=48 s=51
